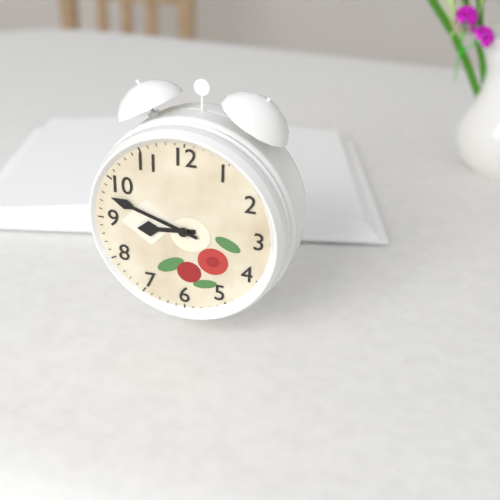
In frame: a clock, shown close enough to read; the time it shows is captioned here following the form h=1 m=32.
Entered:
h=8 m=48
